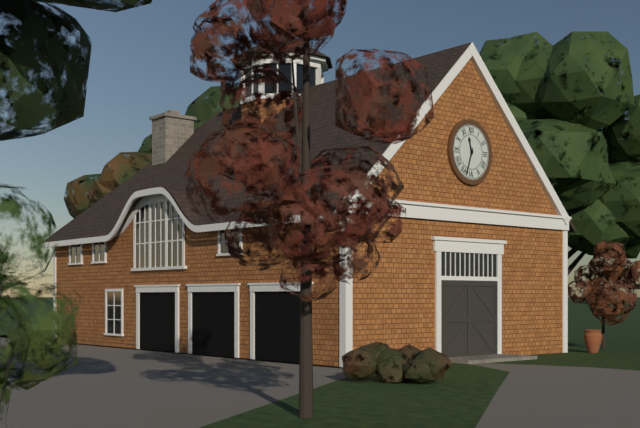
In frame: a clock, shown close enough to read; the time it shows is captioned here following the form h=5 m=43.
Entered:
h=11 m=33
